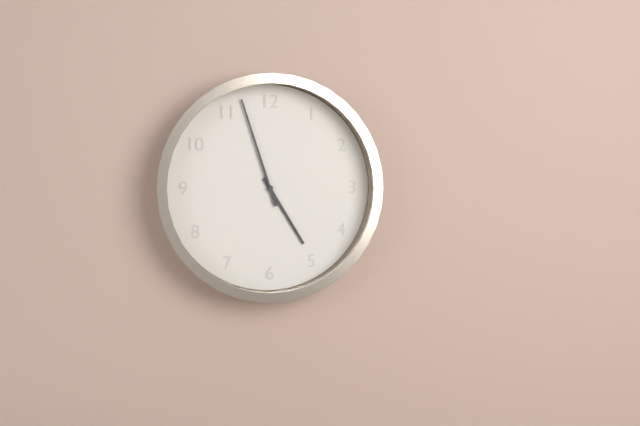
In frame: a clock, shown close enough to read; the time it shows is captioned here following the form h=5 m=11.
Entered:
h=4 m=57
